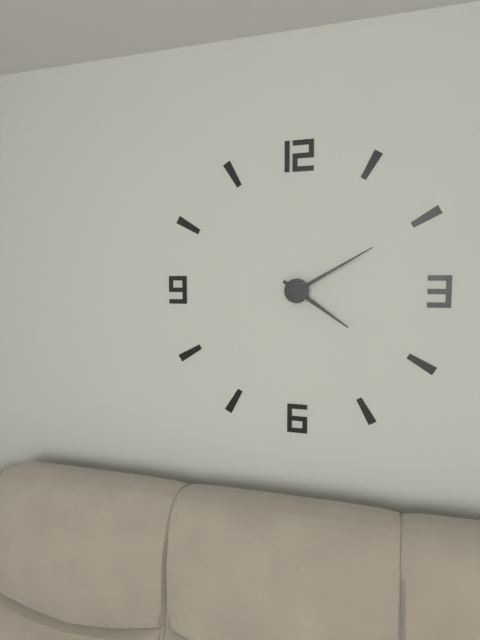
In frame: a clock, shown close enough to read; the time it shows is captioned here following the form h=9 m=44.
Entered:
h=4 m=10
